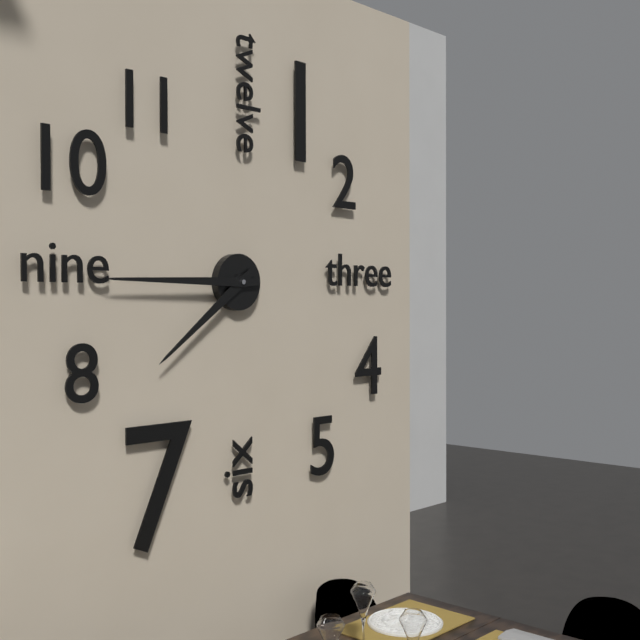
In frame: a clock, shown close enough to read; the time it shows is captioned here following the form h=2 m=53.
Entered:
h=7 m=45
